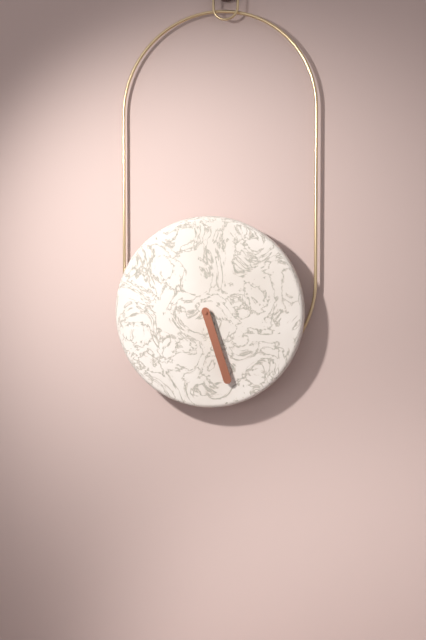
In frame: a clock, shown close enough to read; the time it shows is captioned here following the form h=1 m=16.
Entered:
h=5 m=27
